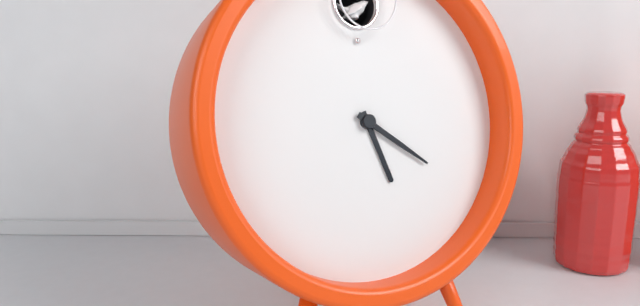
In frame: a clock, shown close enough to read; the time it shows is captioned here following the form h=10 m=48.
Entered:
h=5 m=21
